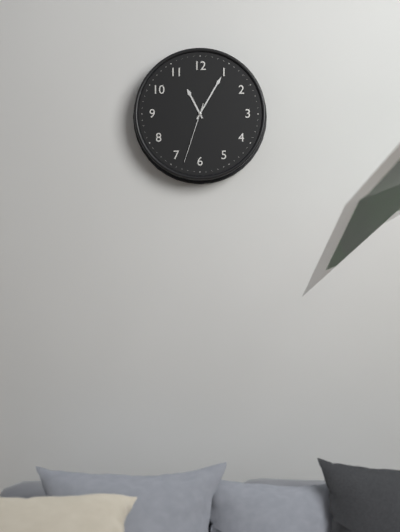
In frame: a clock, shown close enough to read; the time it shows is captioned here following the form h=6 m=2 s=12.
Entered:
h=11 m=5 s=33
